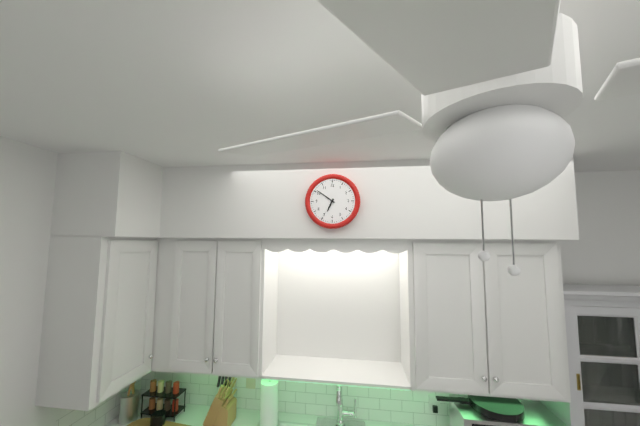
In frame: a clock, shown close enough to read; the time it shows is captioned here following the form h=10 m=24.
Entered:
h=6 m=51
